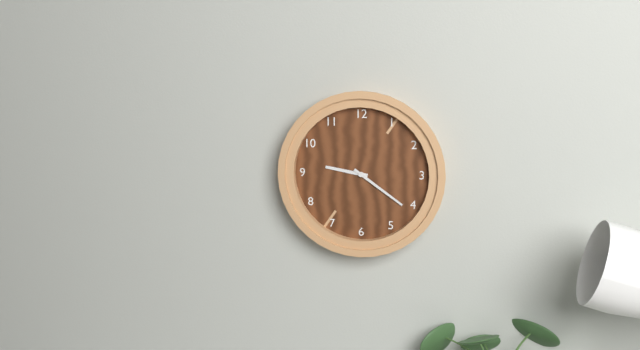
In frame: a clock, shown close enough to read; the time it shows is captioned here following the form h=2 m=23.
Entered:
h=9 m=21
